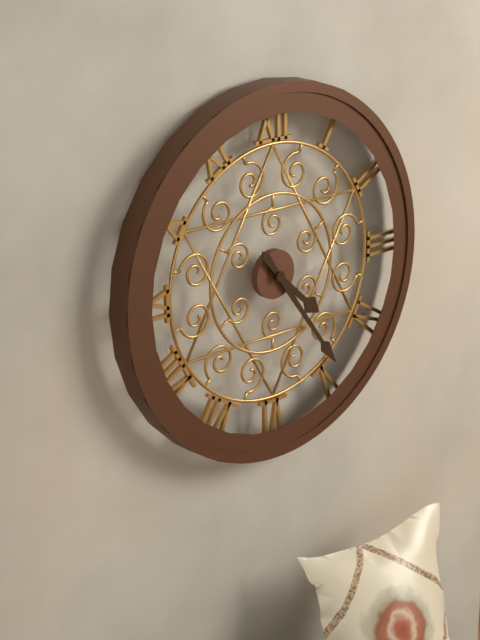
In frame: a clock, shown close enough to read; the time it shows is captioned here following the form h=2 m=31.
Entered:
h=4 m=24
